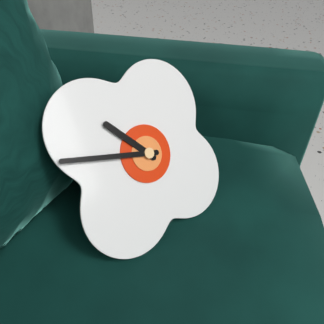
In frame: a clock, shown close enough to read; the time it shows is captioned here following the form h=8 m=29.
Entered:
h=10 m=48
